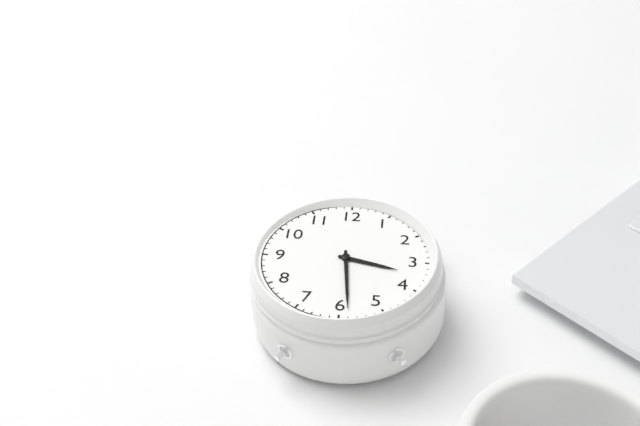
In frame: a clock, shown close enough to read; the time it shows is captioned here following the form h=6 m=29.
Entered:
h=3 m=29
